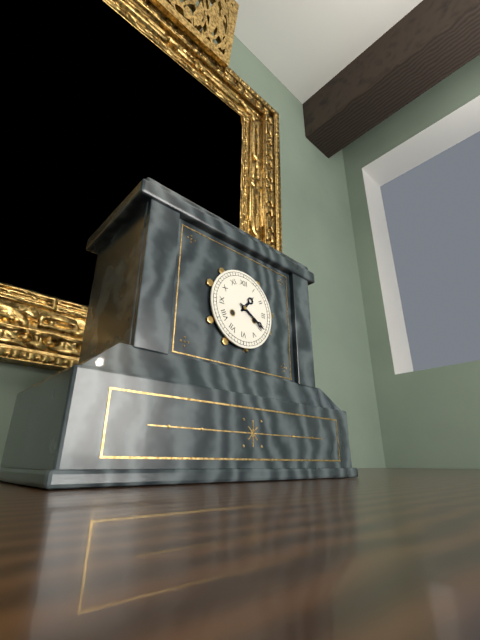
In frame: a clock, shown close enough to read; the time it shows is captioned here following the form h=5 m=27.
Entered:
h=1 m=20
